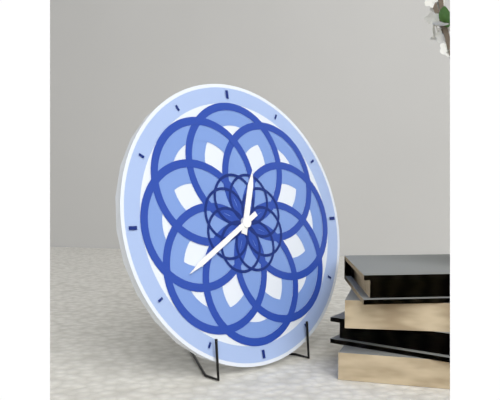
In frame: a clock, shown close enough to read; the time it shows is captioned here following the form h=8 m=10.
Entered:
h=12 m=40
